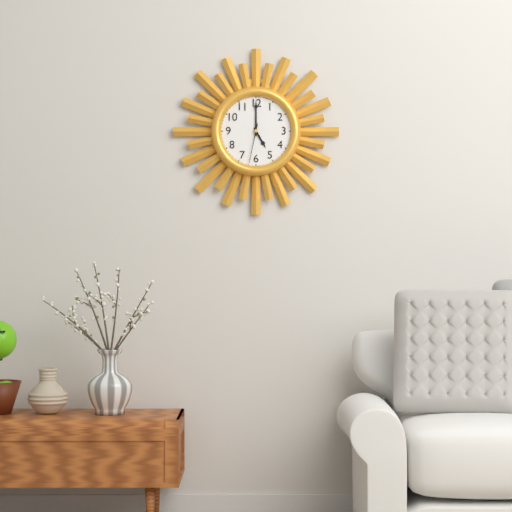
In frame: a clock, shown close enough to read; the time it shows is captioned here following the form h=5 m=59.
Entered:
h=5 m=0
